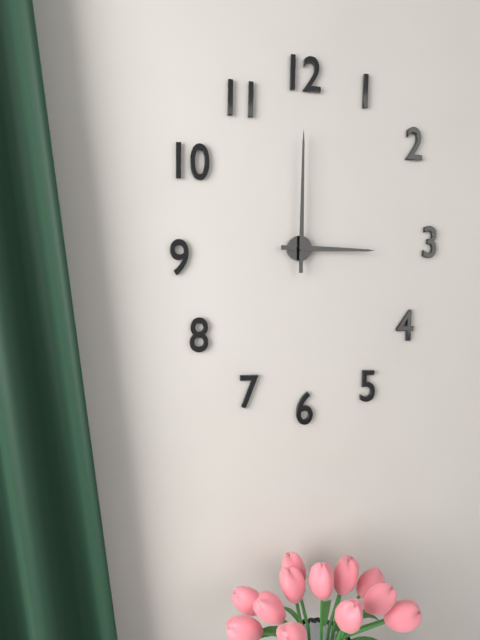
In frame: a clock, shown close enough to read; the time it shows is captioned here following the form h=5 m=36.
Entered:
h=3 m=0
